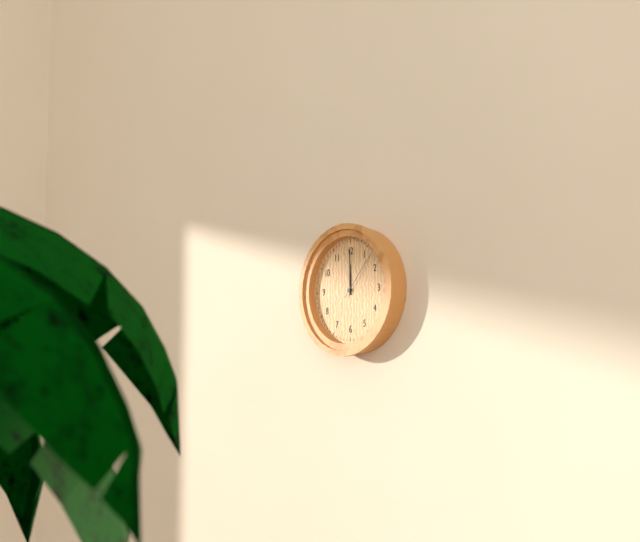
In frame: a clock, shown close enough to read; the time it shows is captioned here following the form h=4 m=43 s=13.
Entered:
h=12 m=0 s=7
